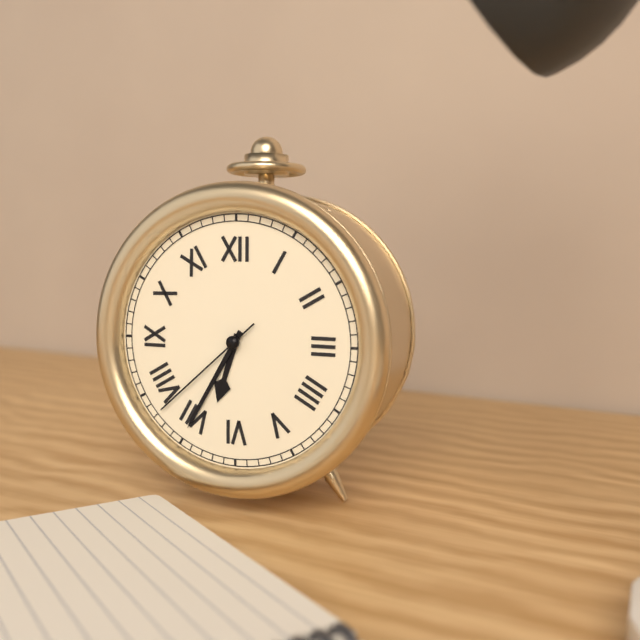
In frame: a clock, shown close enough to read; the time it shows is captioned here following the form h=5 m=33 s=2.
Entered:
h=6 m=35 s=38
